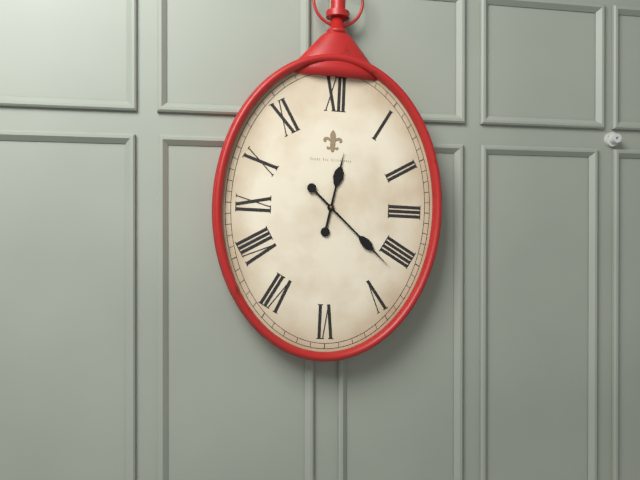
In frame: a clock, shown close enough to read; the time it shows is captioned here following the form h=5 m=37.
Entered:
h=12 m=22
